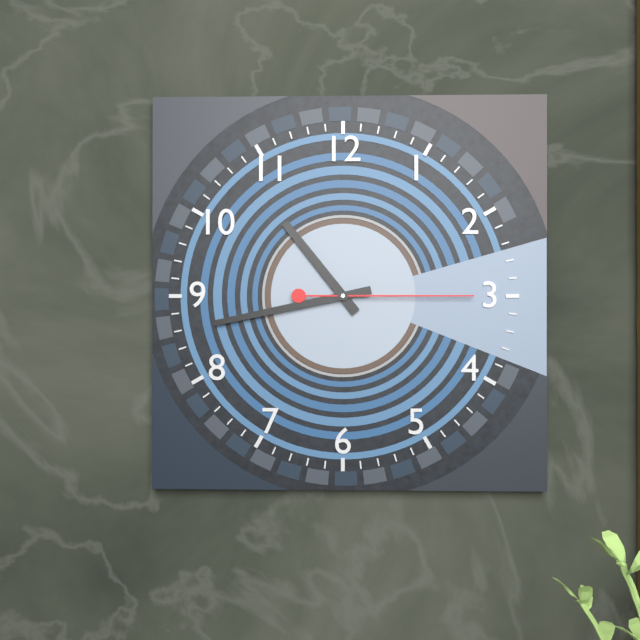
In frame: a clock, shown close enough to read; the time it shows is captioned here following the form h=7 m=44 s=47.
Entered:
h=10 m=43 s=15
